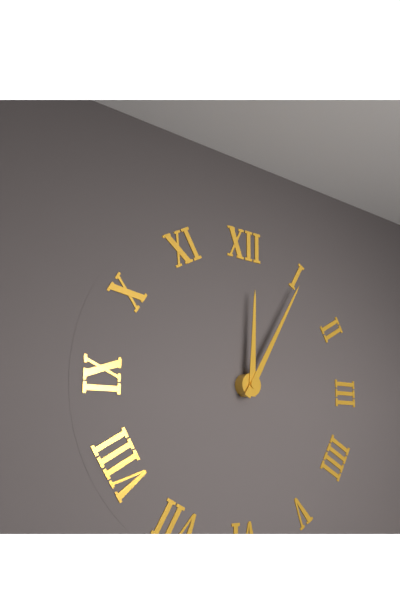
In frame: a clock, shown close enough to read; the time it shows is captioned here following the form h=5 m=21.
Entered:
h=12 m=5
